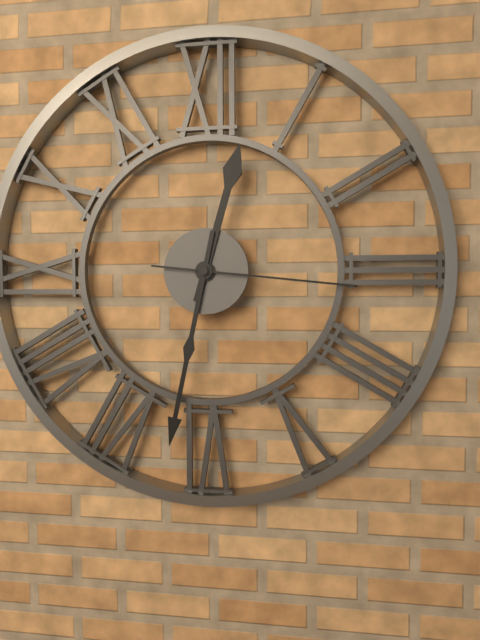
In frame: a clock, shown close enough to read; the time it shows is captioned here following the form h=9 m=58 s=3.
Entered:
h=12 m=32 s=16
